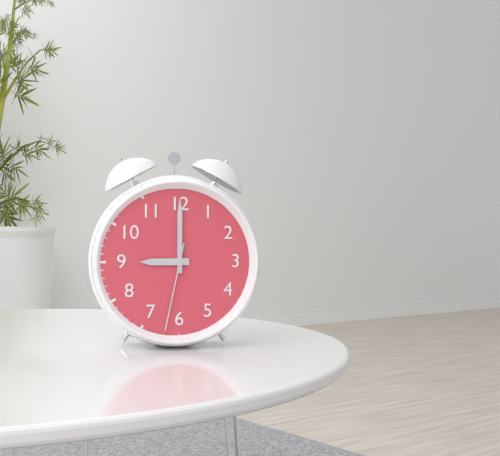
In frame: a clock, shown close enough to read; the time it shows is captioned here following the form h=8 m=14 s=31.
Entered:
h=9 m=0 s=32
